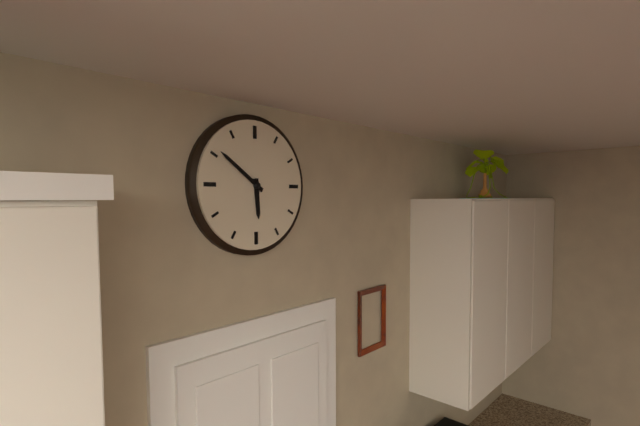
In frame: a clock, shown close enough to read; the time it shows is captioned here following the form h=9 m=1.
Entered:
h=5 m=51
